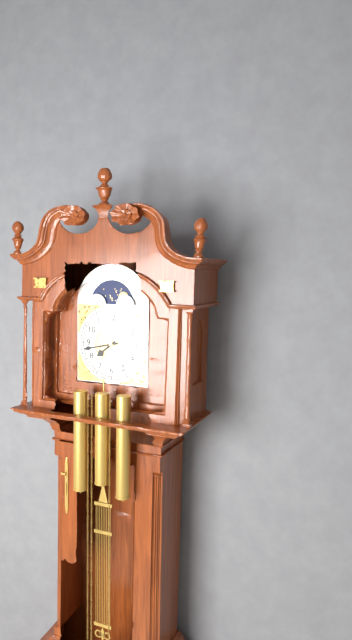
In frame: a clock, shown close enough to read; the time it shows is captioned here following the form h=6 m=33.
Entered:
h=7 m=43
